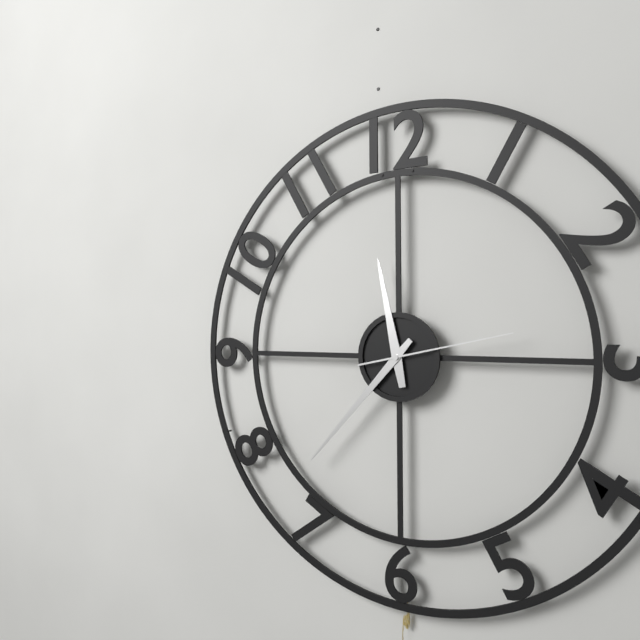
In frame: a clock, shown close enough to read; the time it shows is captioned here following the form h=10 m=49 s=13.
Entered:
h=11 m=37 s=13
